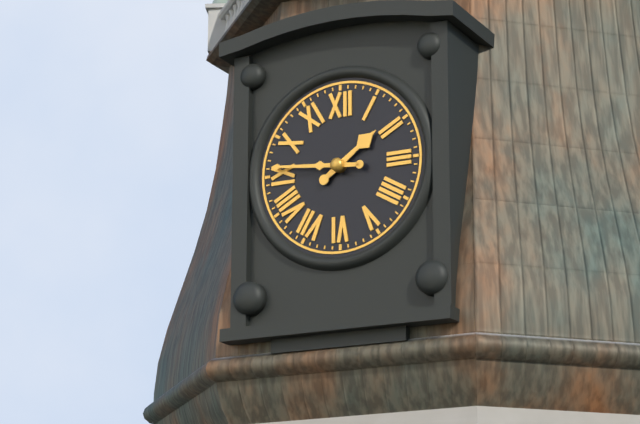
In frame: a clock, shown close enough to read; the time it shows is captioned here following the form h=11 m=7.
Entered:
h=1 m=46
